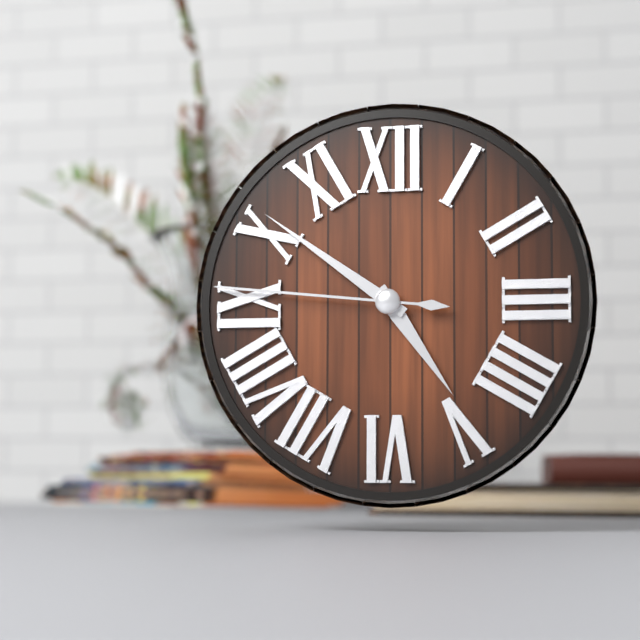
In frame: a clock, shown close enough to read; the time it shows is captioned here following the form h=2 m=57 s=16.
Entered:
h=4 m=51 s=46
